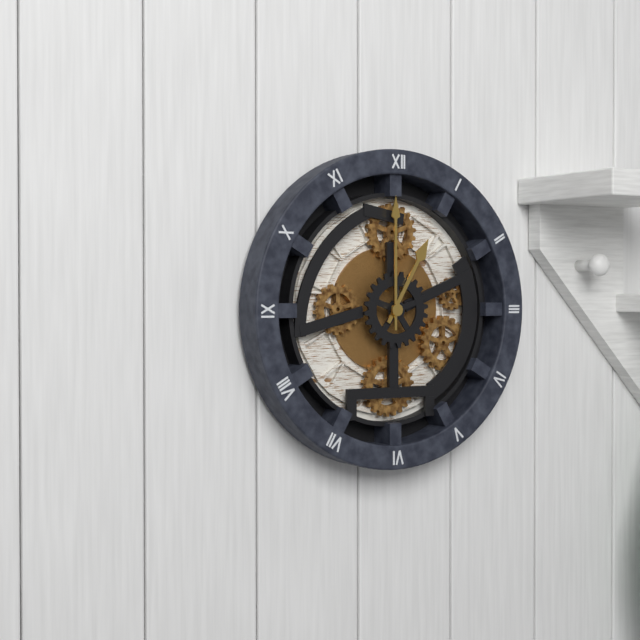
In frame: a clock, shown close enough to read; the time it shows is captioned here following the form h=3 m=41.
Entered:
h=1 m=0
